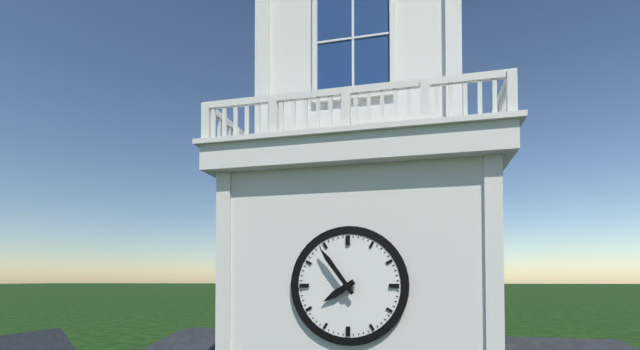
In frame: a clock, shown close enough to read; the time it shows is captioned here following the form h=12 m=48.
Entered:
h=7 m=54
